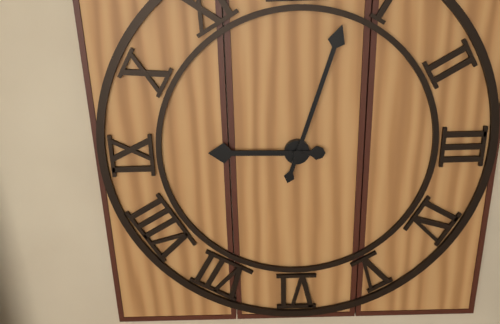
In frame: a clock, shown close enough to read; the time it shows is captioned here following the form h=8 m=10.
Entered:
h=9 m=3
